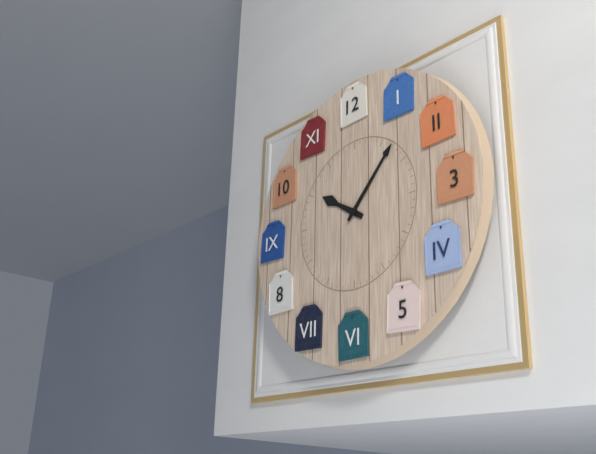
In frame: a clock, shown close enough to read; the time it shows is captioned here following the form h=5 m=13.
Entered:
h=10 m=7
